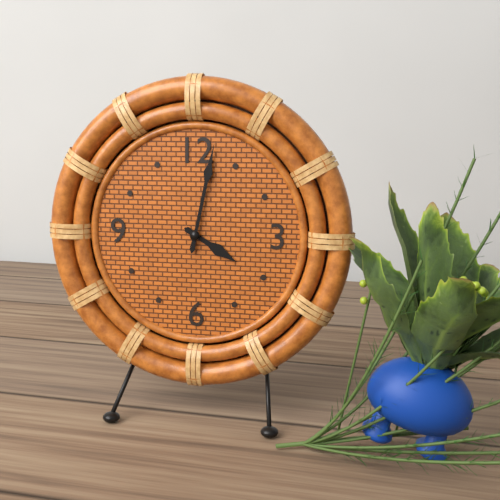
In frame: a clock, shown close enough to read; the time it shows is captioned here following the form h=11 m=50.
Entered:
h=4 m=2
